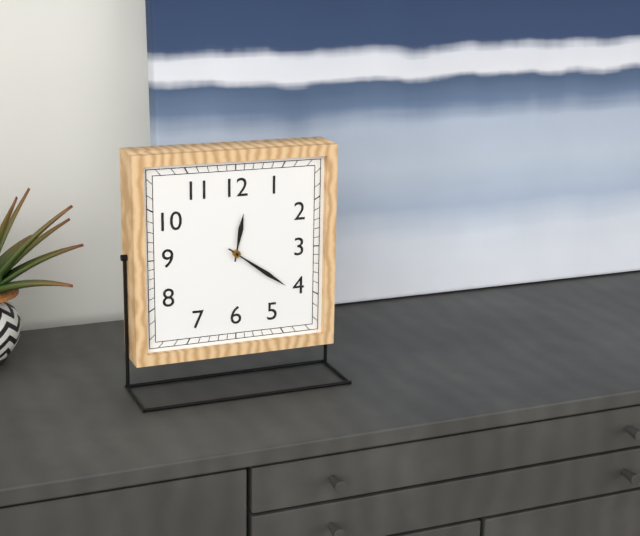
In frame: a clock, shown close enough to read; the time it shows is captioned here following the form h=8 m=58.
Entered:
h=12 m=21
